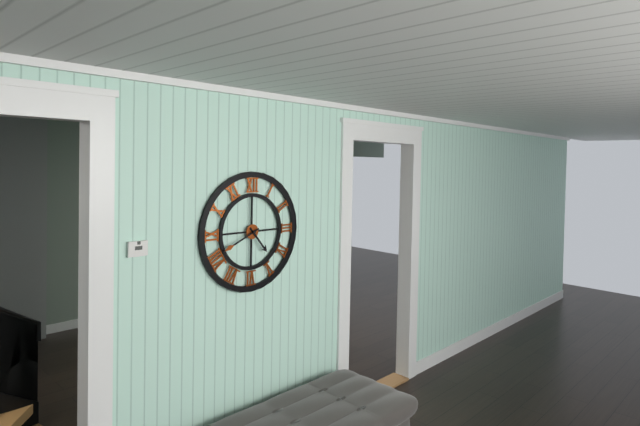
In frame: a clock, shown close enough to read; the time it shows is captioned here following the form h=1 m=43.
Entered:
h=4 m=41
